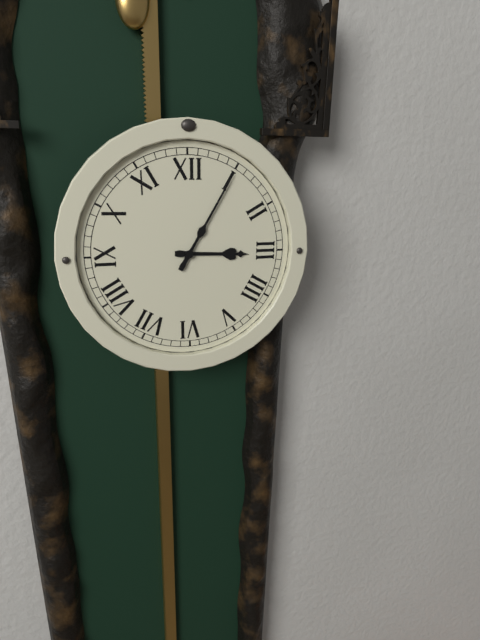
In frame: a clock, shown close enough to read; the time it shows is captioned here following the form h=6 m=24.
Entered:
h=3 m=5
